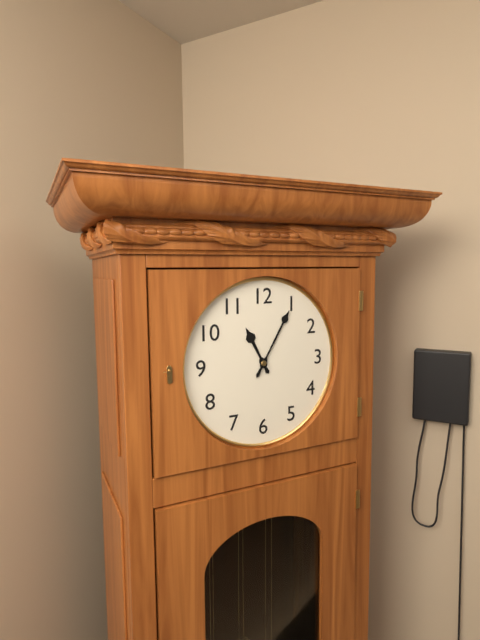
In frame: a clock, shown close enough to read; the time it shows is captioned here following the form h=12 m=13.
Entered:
h=11 m=5
